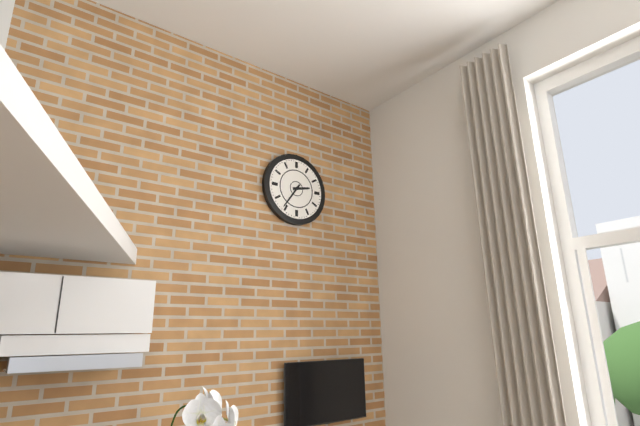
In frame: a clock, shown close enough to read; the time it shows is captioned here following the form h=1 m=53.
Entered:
h=2 m=36
